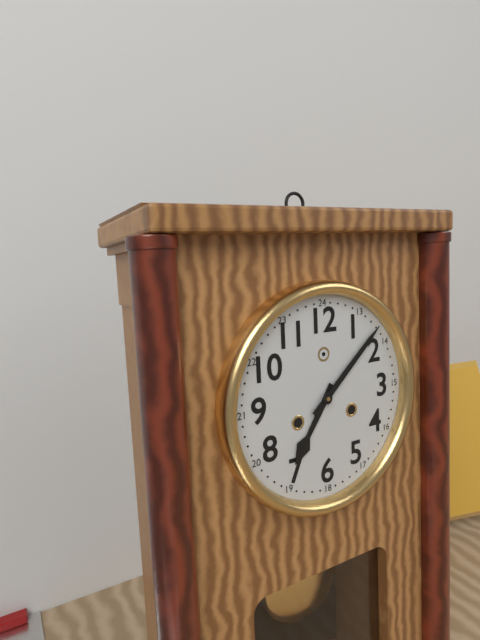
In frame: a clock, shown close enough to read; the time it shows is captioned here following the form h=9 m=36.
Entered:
h=7 m=8
